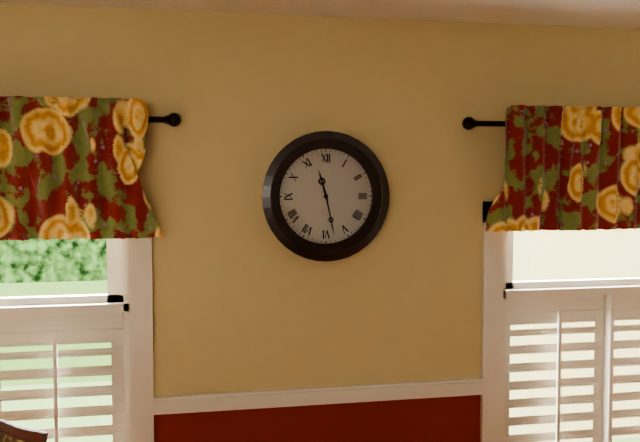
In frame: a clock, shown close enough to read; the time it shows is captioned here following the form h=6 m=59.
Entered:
h=11 m=28
